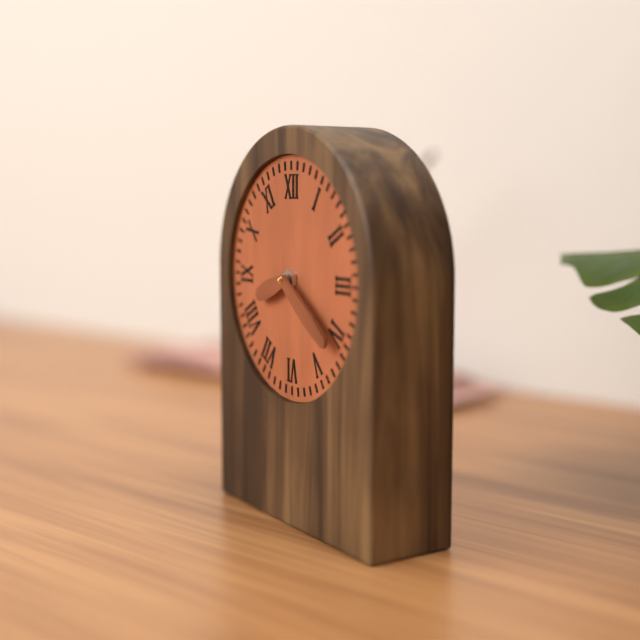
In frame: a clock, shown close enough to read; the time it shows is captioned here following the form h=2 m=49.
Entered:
h=8 m=21
